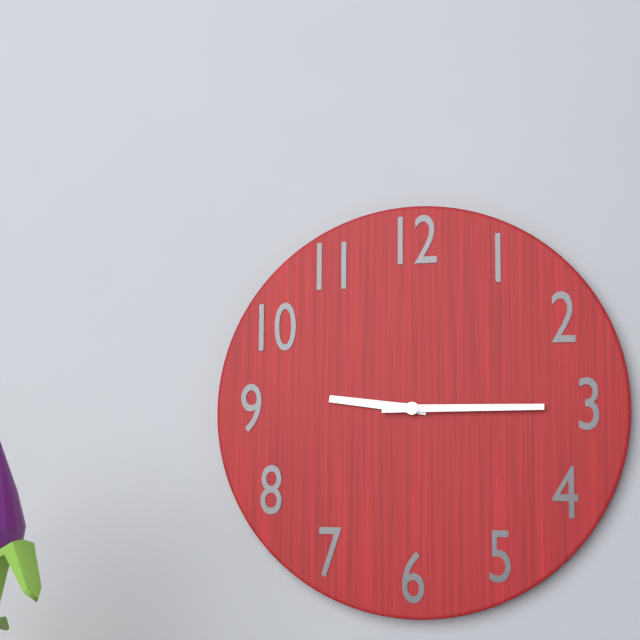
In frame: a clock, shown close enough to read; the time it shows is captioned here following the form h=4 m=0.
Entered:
h=9 m=15
